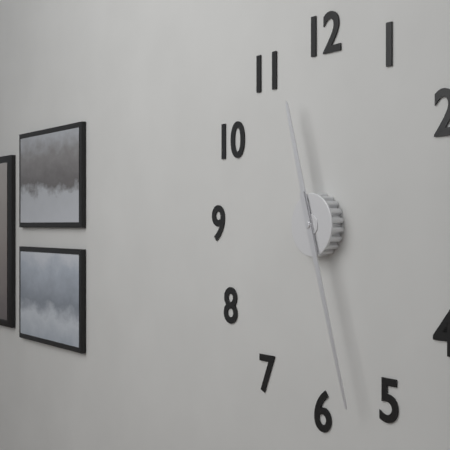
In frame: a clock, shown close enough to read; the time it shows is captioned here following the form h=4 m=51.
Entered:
h=11 m=27
